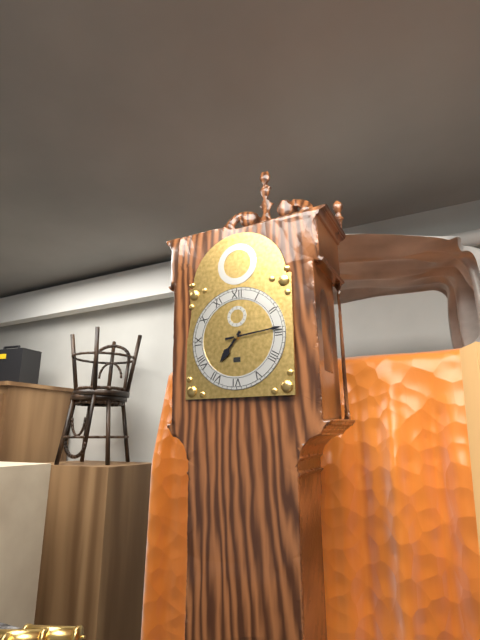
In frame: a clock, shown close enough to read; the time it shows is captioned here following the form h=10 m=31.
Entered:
h=7 m=14
